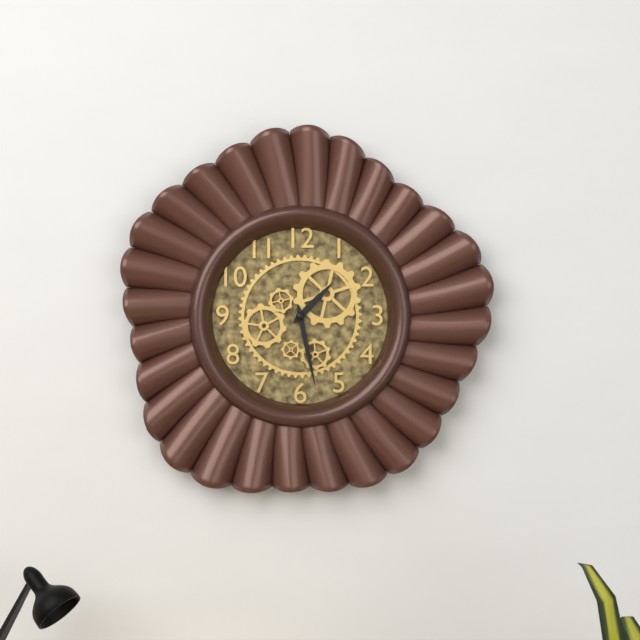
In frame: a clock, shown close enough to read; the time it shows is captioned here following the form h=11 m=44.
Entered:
h=1 m=28
